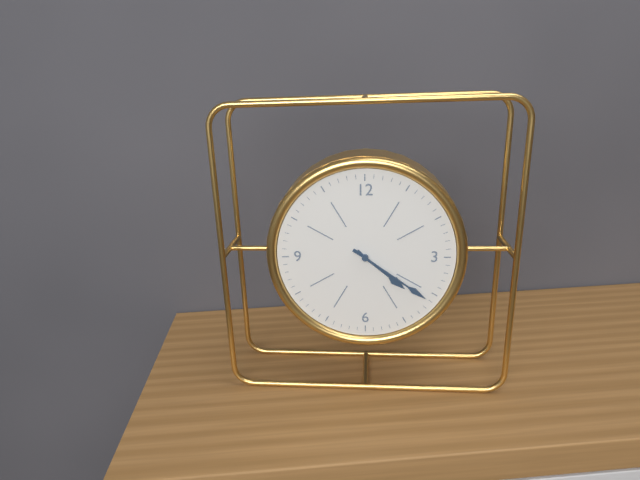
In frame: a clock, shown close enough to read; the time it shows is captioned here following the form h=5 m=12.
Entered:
h=4 m=21
